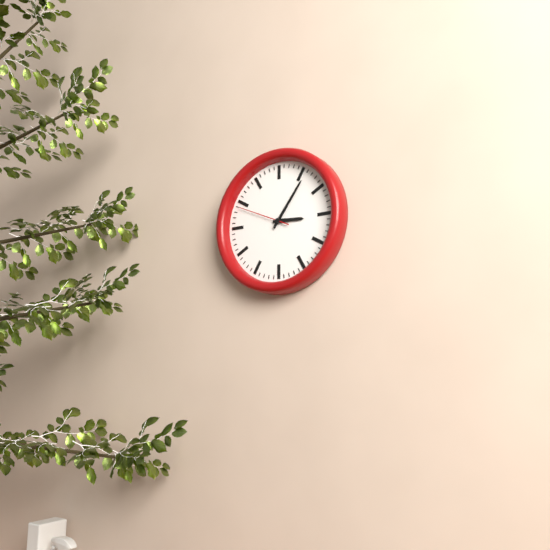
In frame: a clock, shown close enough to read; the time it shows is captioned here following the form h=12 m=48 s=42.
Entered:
h=3 m=6 s=49
